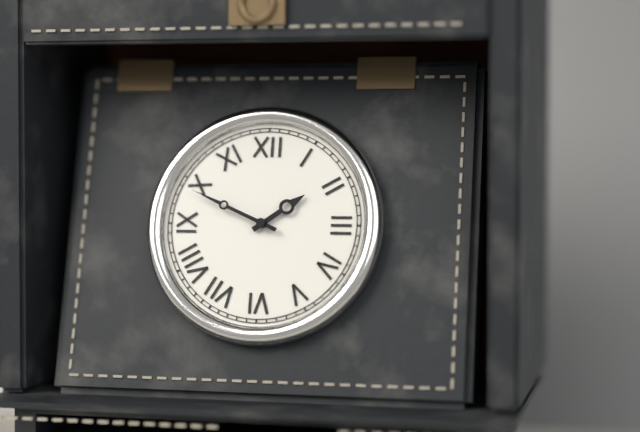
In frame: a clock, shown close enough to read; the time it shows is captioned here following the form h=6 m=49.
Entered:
h=1 m=49
